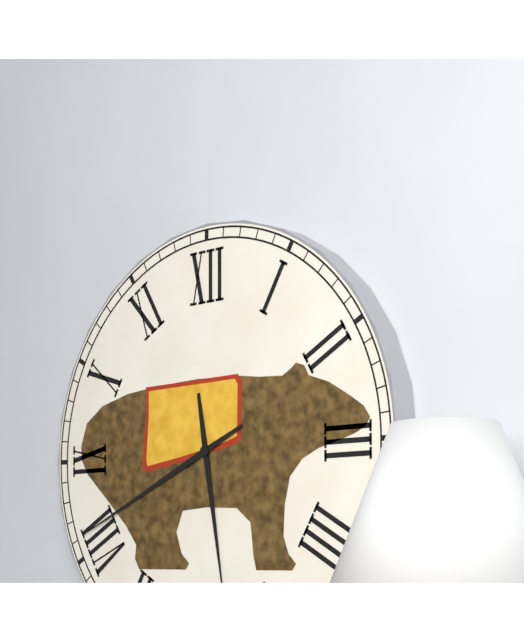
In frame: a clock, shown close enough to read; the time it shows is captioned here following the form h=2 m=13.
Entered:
h=5 m=41
